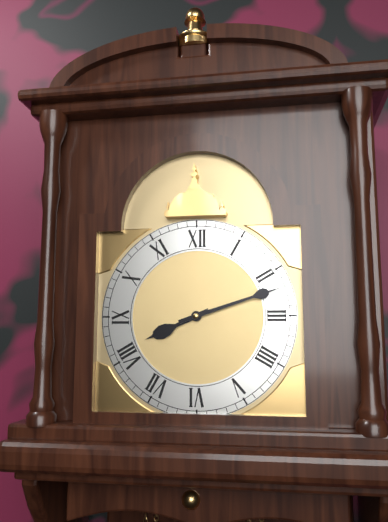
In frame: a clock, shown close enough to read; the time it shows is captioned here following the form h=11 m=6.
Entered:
h=8 m=12
